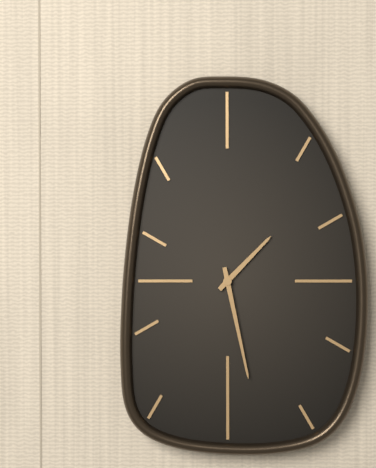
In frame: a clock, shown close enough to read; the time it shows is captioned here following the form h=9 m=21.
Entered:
h=1 m=28
